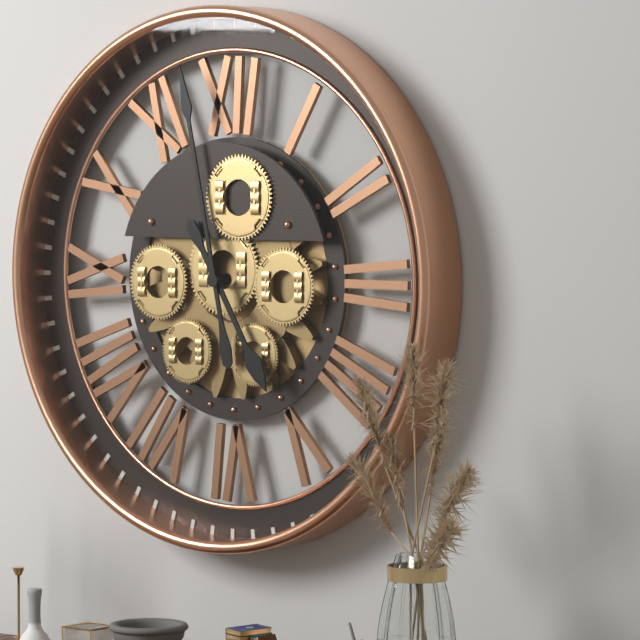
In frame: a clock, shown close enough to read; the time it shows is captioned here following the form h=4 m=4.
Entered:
h=4 m=58
